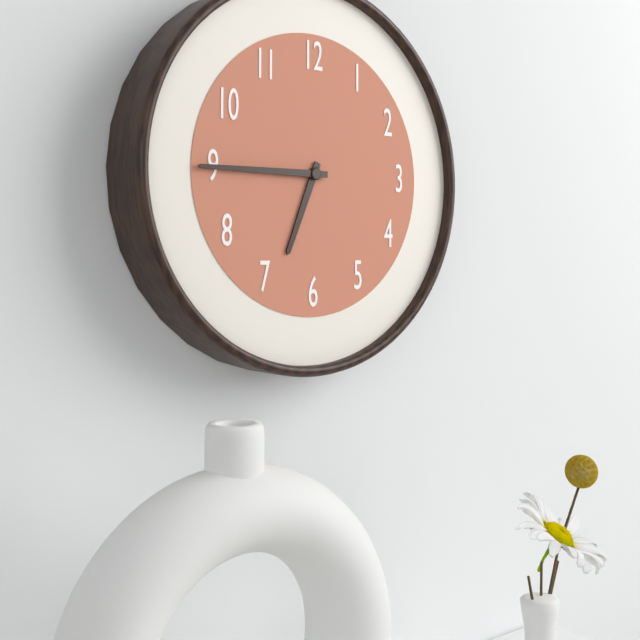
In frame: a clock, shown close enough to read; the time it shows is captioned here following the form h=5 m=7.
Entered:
h=6 m=45
